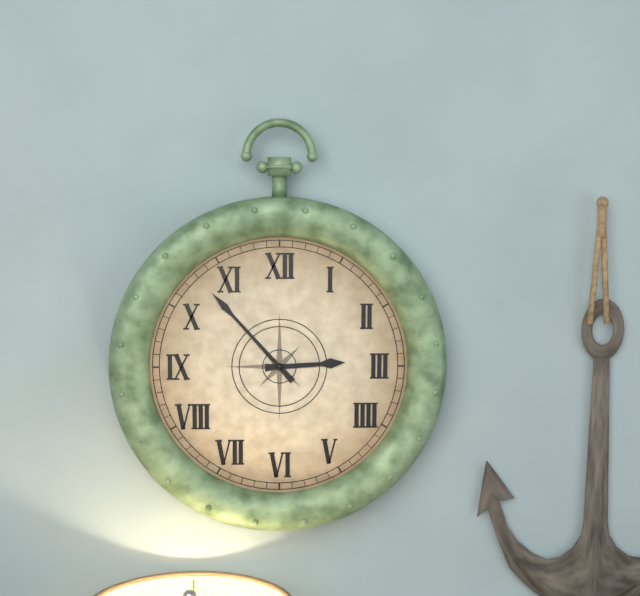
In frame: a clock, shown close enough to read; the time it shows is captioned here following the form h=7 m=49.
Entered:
h=2 m=53
